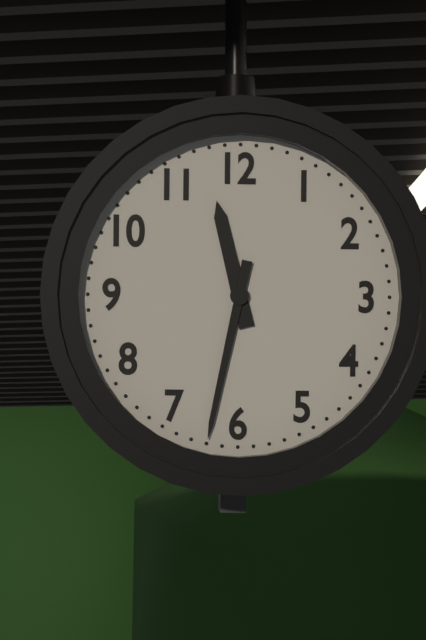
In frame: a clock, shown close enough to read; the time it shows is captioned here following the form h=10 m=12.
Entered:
h=11 m=32
